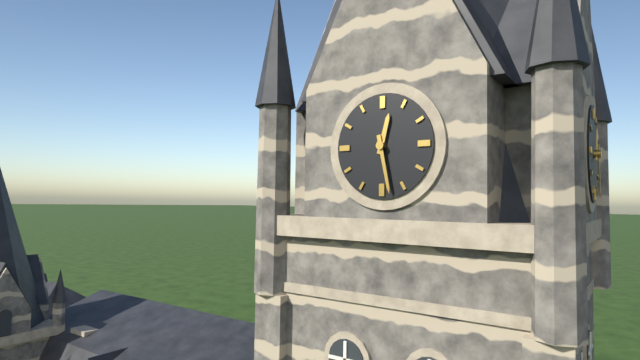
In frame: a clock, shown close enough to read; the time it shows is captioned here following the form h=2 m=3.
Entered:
h=12 m=28
